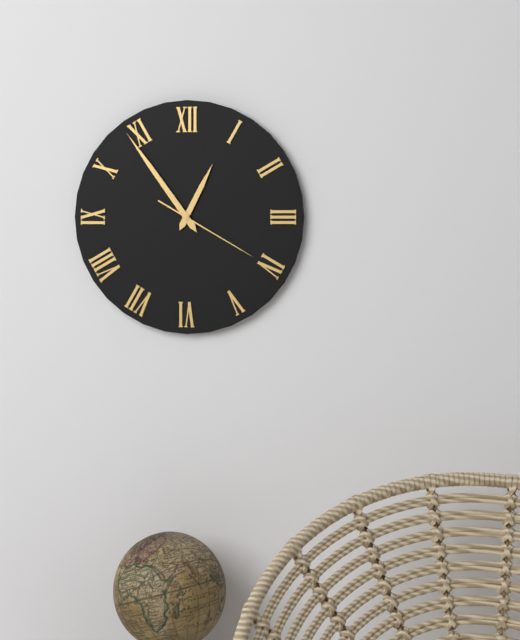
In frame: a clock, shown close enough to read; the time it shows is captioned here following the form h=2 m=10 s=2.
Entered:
h=12 m=54 s=20
